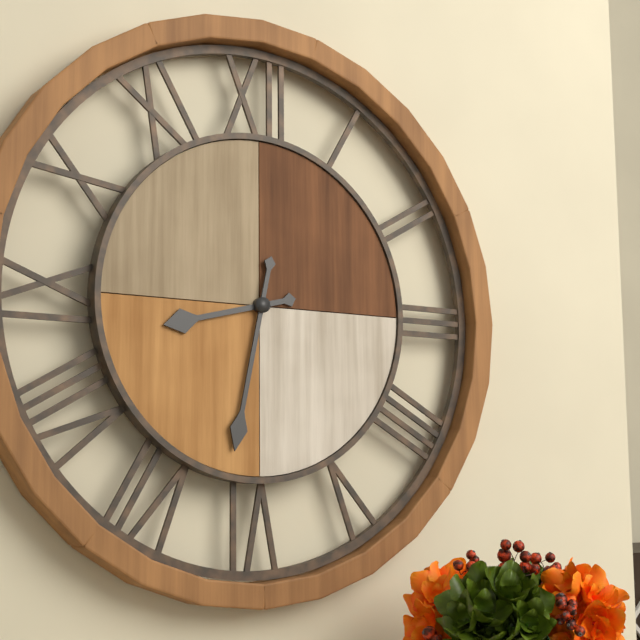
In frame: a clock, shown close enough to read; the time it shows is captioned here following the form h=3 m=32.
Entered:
h=8 m=32
